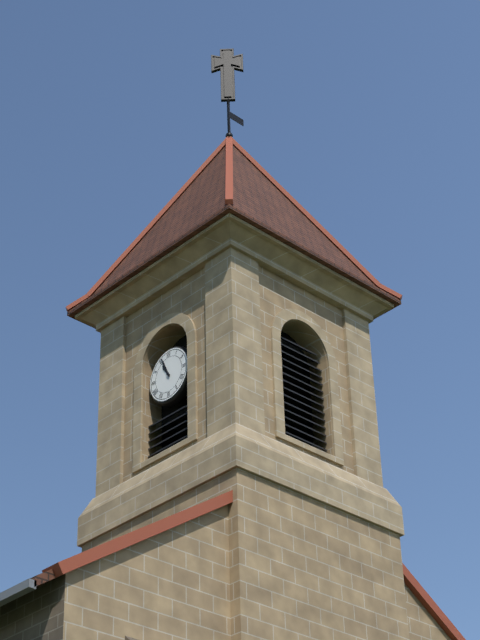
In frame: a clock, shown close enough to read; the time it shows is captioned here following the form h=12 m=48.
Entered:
h=10 m=56
